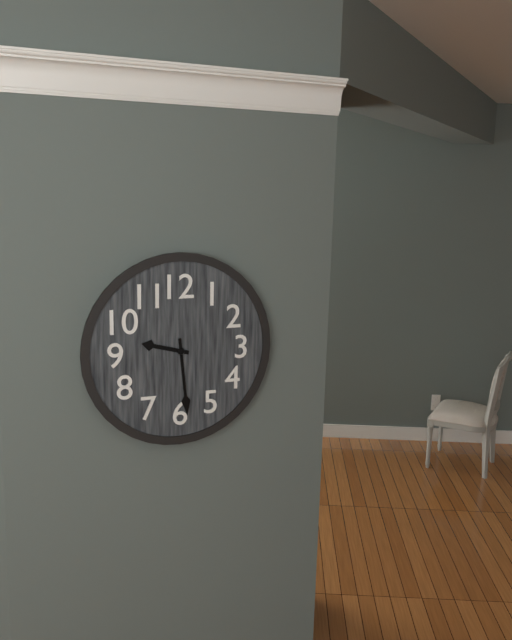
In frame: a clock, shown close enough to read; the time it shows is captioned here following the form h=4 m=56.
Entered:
h=9 m=29
